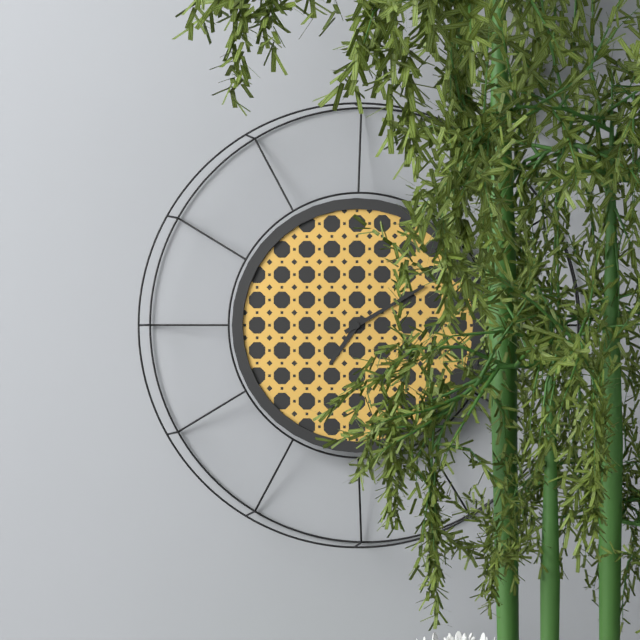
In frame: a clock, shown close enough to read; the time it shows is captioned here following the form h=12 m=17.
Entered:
h=7 m=10
